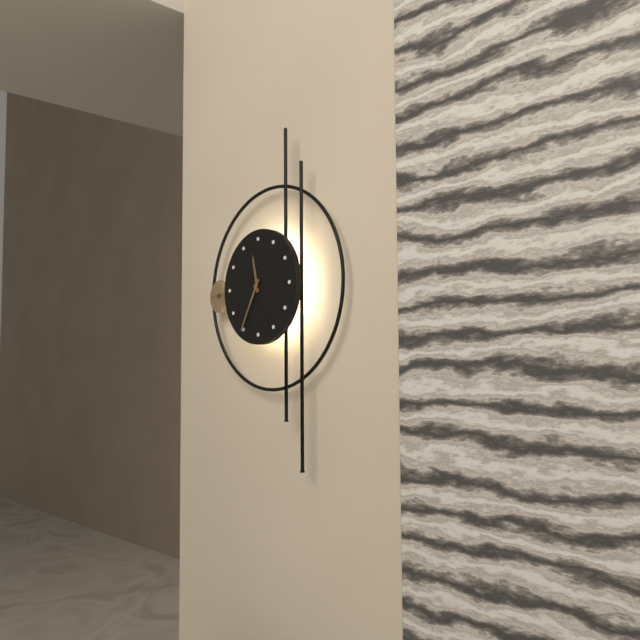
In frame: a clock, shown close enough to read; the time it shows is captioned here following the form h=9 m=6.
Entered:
h=11 m=35
